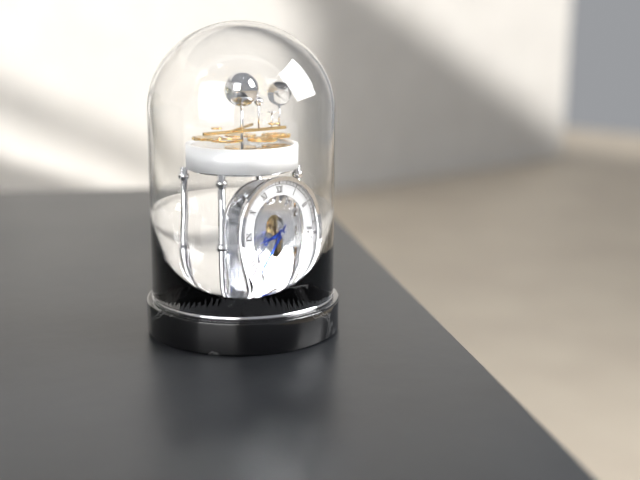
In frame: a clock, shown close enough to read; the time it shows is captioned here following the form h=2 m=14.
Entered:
h=8 m=38
